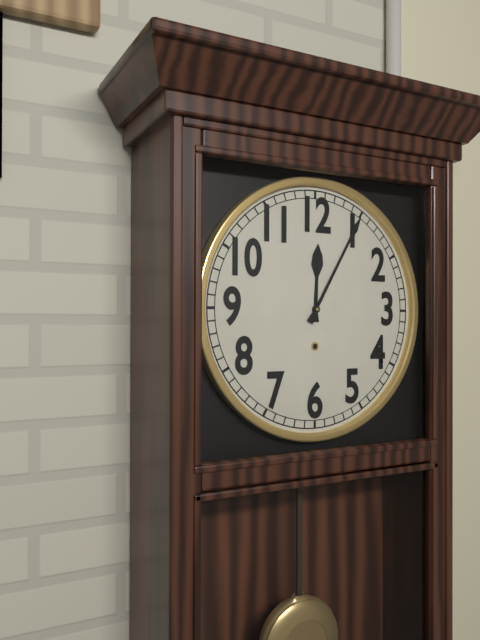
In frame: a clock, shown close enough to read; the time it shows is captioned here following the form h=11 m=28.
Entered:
h=12 m=5
